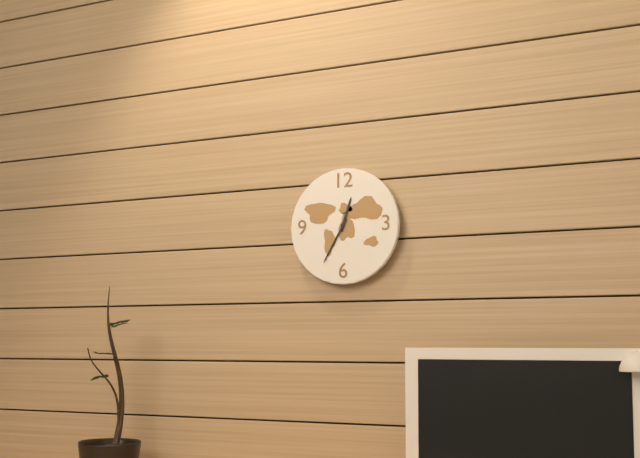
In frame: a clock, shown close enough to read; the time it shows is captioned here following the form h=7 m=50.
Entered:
h=12 m=35
